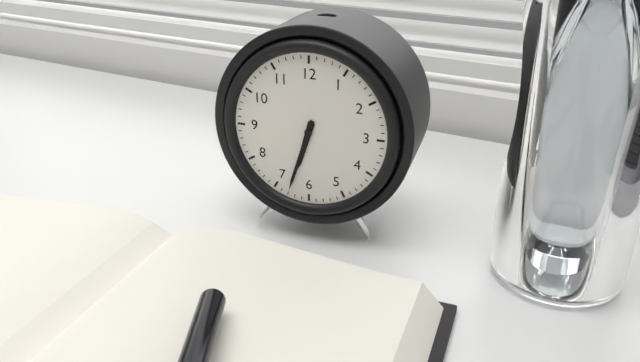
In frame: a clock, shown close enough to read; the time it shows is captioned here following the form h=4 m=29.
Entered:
h=6 m=33
